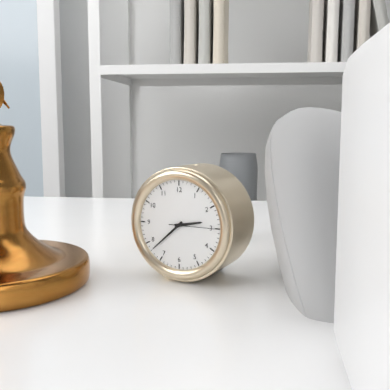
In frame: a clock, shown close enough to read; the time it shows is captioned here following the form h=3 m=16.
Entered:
h=2 m=38
